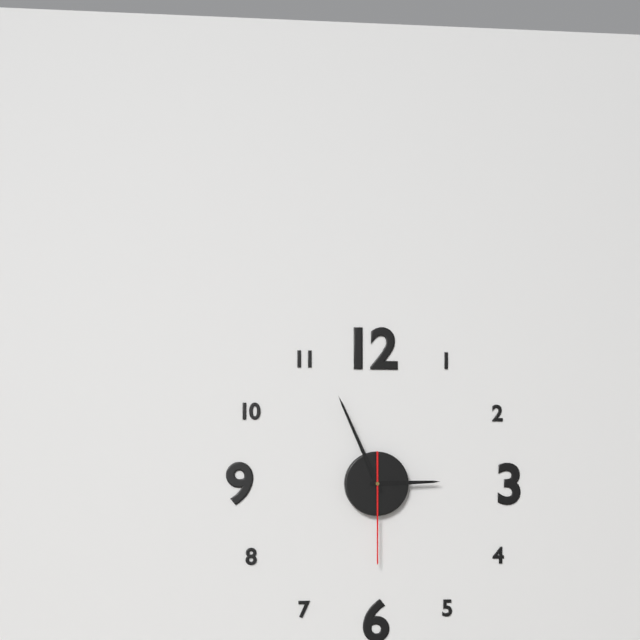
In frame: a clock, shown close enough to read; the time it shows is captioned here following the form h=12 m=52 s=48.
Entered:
h=2 m=56 s=30
